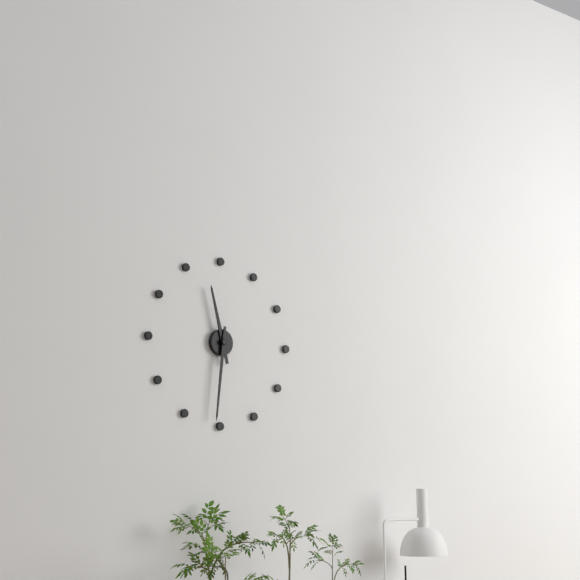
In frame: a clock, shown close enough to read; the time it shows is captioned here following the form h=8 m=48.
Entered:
h=11 m=31
